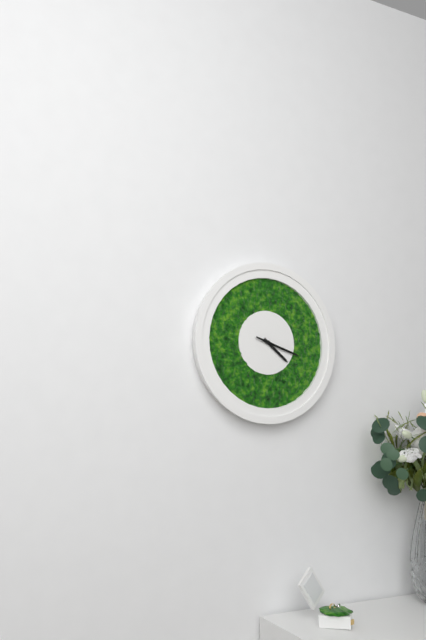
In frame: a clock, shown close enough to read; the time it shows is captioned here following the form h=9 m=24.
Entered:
h=4 m=18
